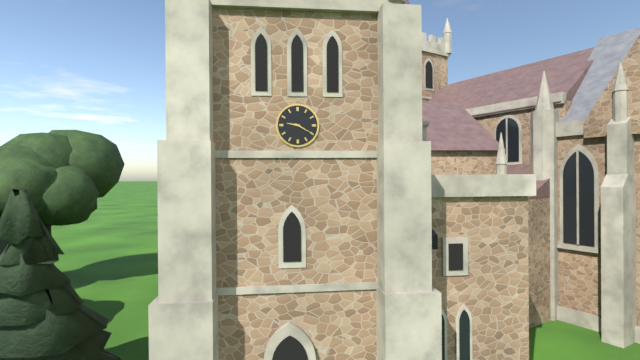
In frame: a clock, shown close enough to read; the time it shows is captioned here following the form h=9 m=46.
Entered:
h=9 m=20
